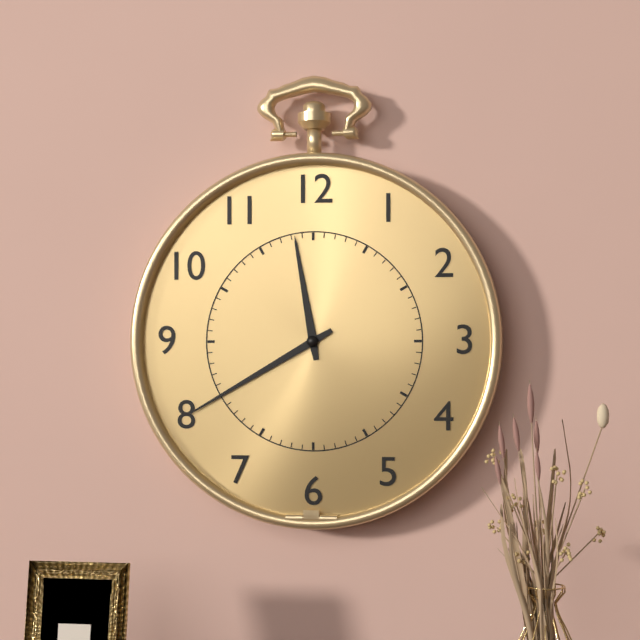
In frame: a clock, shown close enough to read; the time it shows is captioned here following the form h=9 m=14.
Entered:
h=11 m=40
